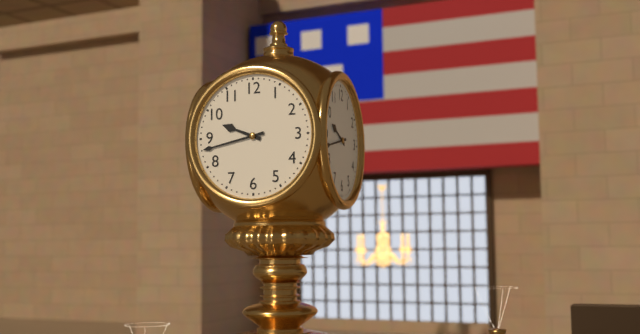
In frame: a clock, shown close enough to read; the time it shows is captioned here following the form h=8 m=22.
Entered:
h=9 m=43
